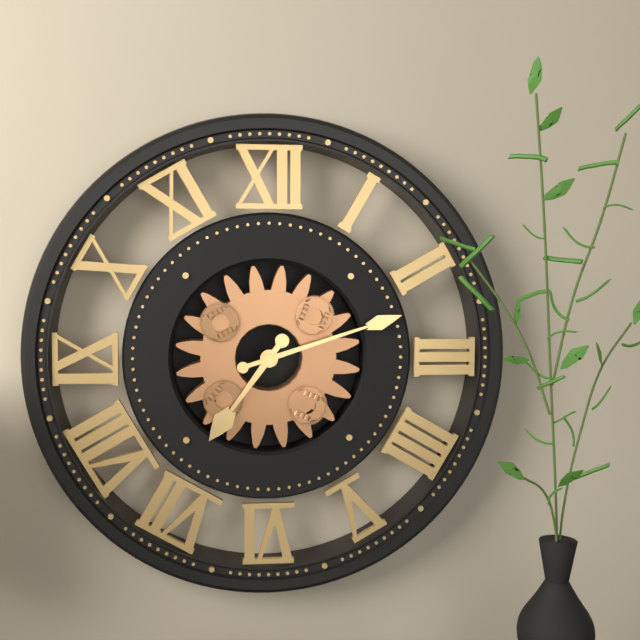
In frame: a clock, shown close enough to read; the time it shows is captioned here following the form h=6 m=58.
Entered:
h=7 m=12
